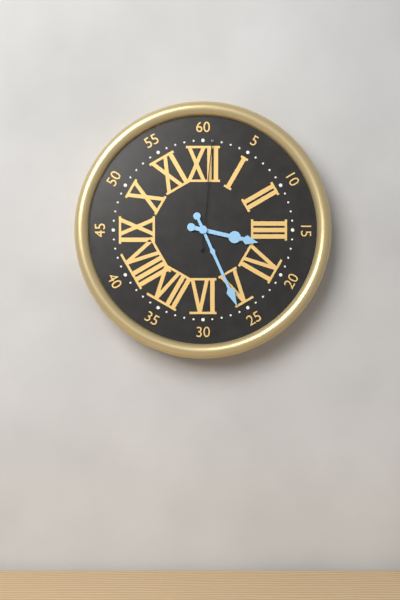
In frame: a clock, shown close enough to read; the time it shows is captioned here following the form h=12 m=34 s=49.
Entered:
h=3 m=26 s=1
